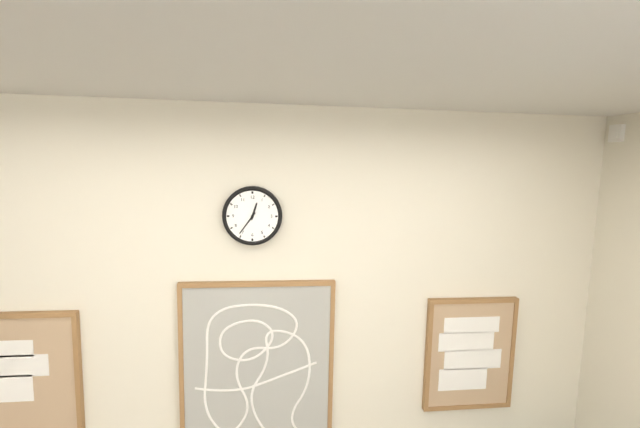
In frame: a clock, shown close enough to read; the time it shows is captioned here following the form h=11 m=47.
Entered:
h=12 m=36
